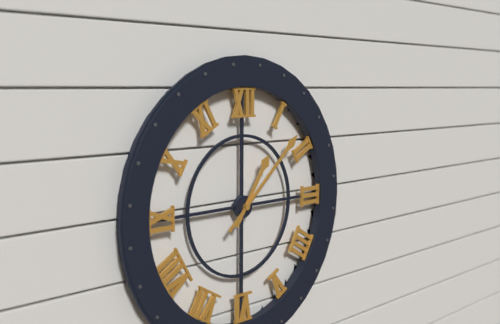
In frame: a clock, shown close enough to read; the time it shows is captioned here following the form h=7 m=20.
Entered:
h=1 m=8
